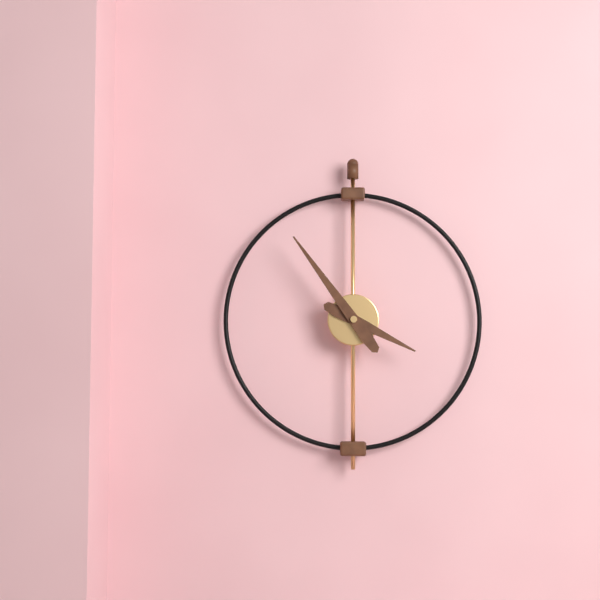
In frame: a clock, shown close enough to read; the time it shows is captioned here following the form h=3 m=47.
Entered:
h=3 m=54
